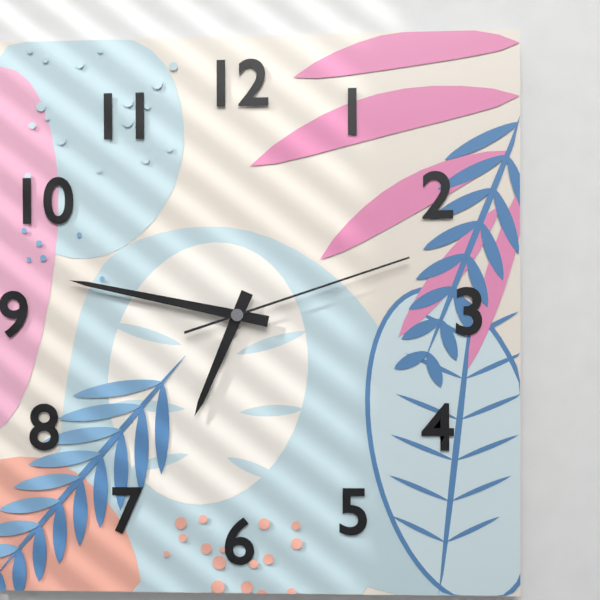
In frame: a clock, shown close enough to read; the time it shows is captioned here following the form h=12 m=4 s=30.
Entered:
h=6 m=47 s=12
